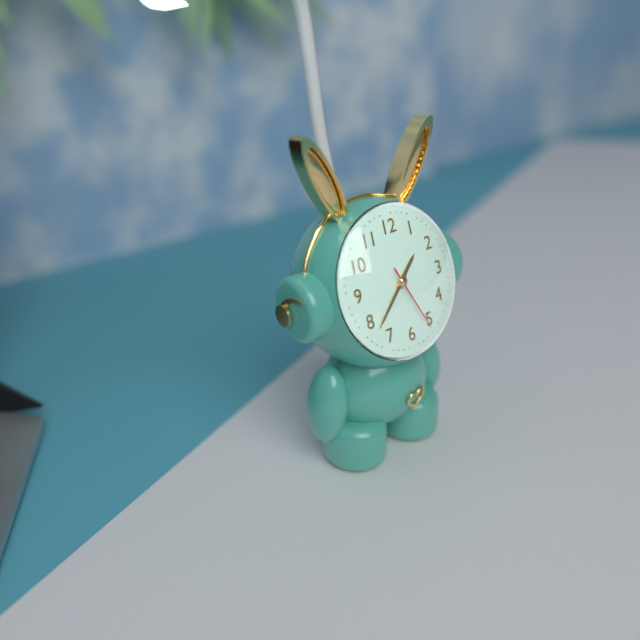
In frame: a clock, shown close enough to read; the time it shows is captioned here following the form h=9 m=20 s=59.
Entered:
h=1 m=38 s=26
